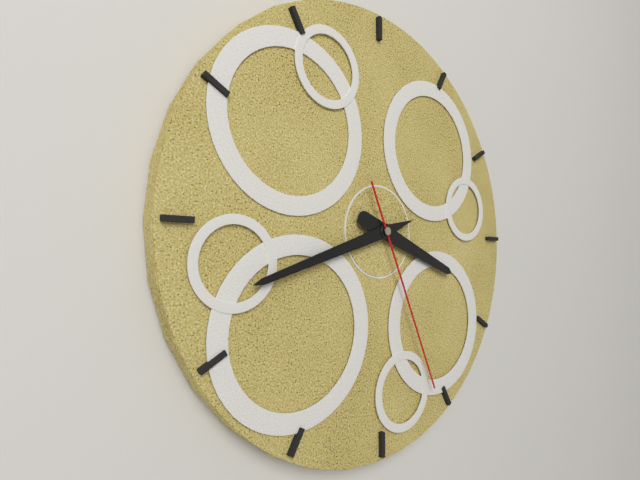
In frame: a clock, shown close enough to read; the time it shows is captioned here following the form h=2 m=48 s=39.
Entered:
h=3 m=42 s=26
